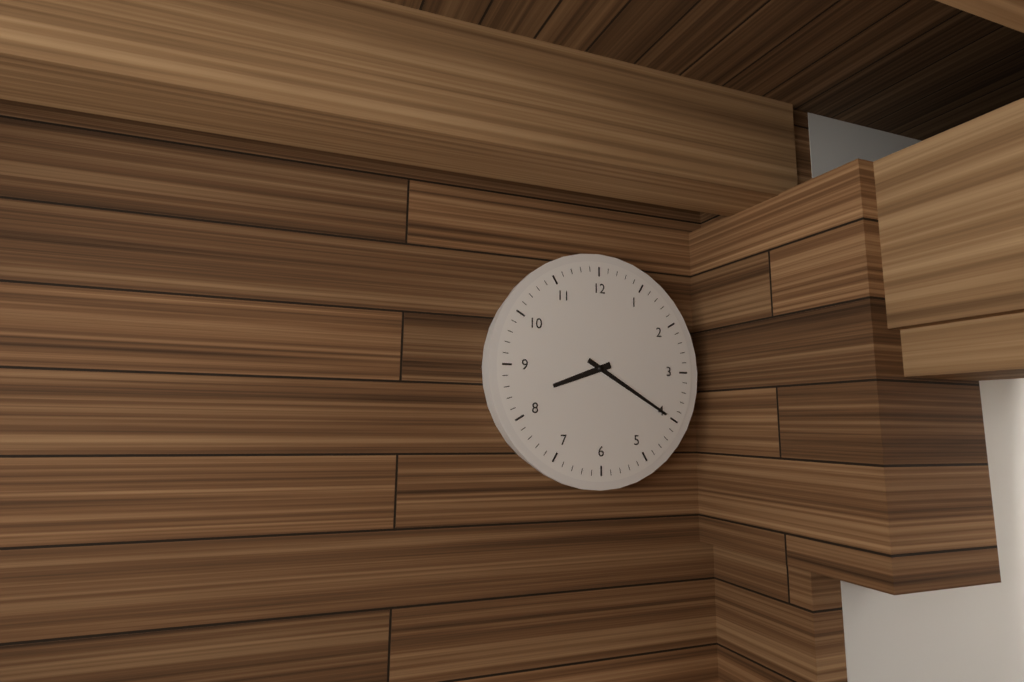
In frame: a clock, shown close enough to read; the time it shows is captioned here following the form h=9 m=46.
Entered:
h=8 m=20
